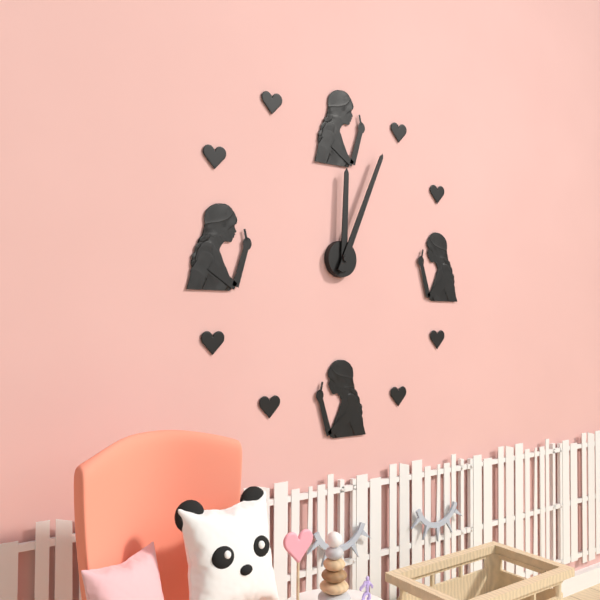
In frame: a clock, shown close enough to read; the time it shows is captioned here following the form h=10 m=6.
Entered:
h=12 m=4
